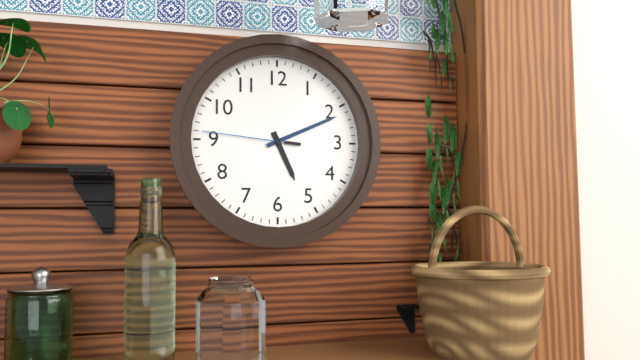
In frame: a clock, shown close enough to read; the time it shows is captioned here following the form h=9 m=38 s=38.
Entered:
h=5 m=11 s=46
